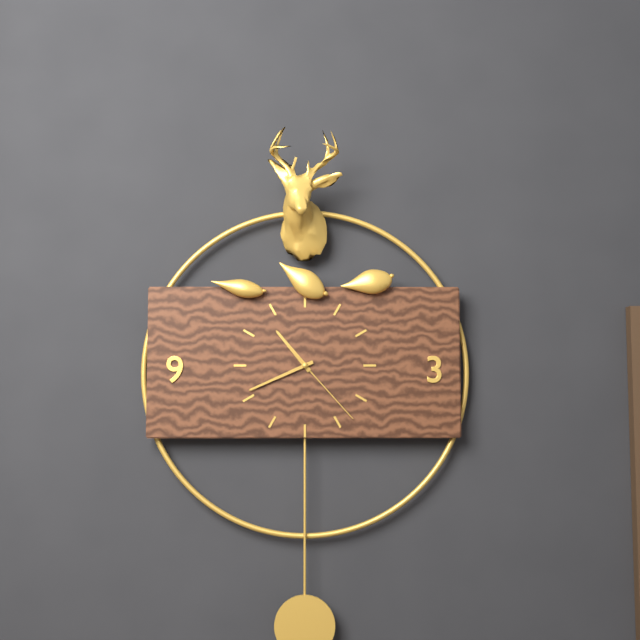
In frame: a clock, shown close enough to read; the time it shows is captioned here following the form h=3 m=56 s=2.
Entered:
h=10 m=41 s=23
